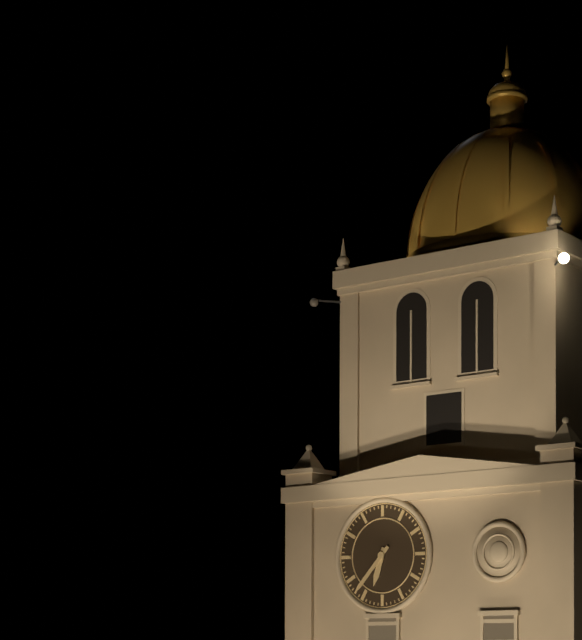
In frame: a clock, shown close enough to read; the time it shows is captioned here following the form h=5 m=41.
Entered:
h=6 m=37
